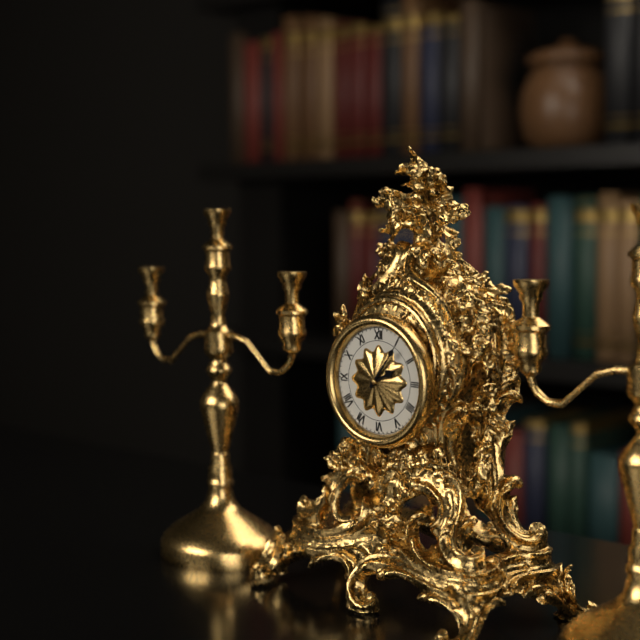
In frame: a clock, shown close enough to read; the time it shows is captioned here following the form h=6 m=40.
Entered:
h=2 m=6
